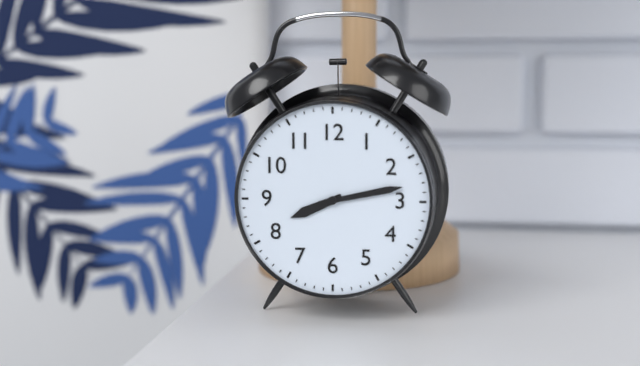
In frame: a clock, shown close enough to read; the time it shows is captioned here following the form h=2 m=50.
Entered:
h=8 m=13
